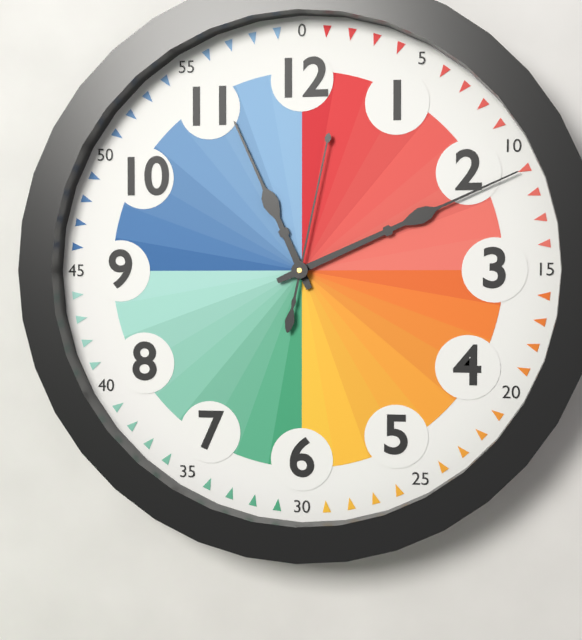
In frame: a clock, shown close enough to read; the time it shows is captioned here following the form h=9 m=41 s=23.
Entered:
h=11 m=11 s=2
